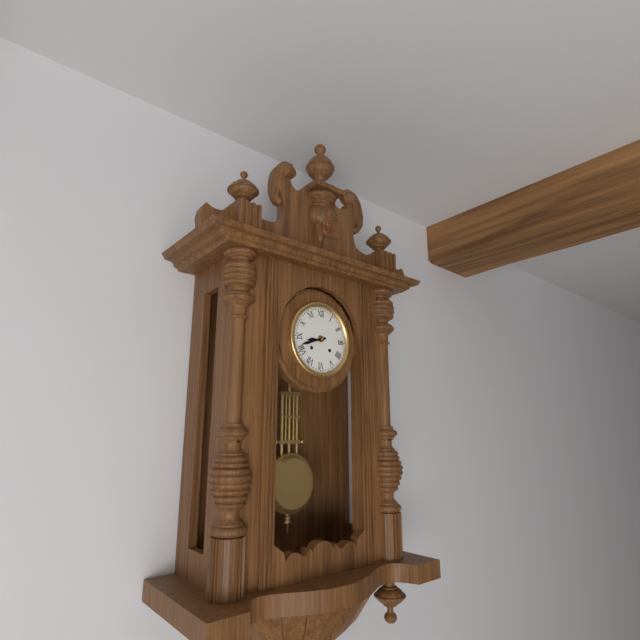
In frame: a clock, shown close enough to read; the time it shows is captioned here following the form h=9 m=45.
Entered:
h=8 m=42
